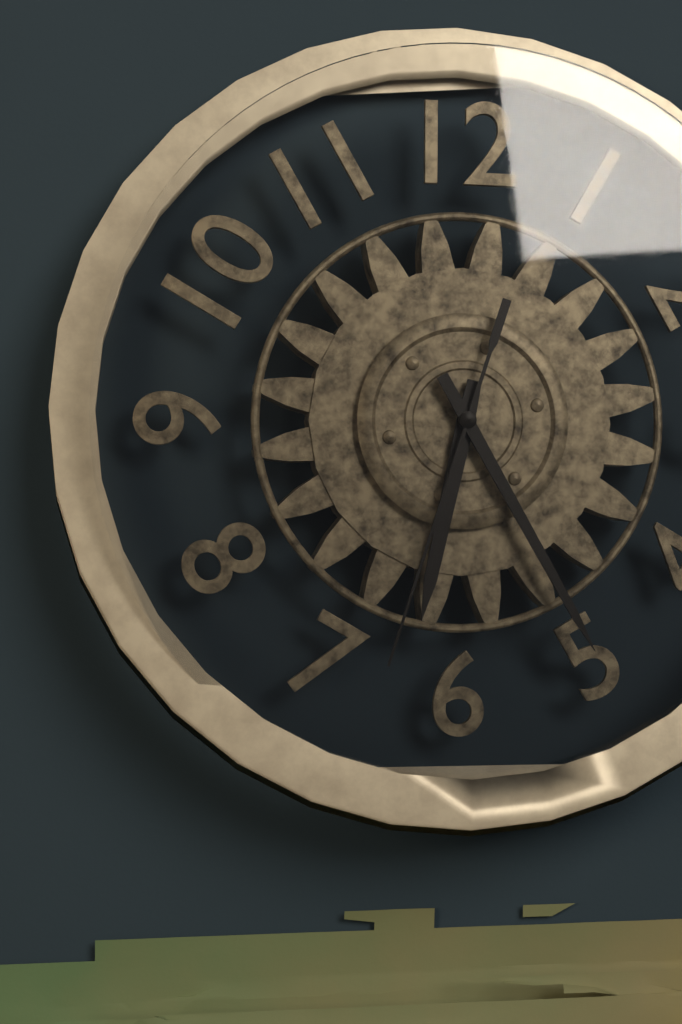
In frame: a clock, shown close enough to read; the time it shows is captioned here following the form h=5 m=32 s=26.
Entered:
h=6 m=25 s=33
